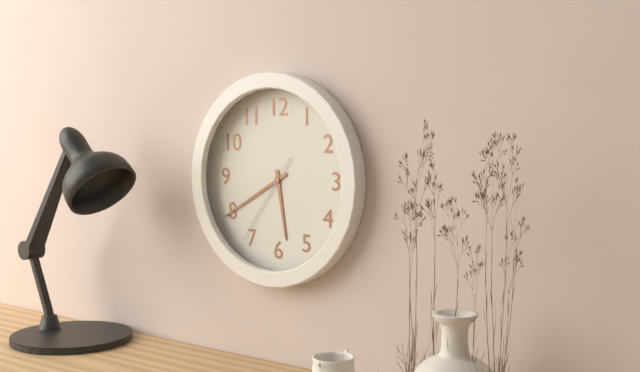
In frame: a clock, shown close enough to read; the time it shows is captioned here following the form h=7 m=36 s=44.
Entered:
h=5 m=40 s=36
